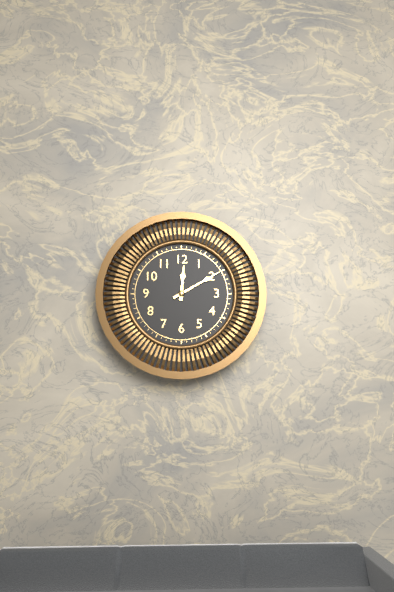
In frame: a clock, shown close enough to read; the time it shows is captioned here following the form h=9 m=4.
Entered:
h=12 m=10
